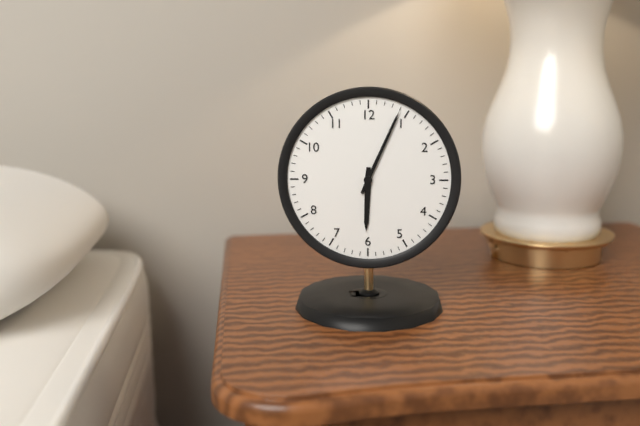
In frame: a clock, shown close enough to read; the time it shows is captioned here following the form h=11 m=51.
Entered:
h=6 m=4
